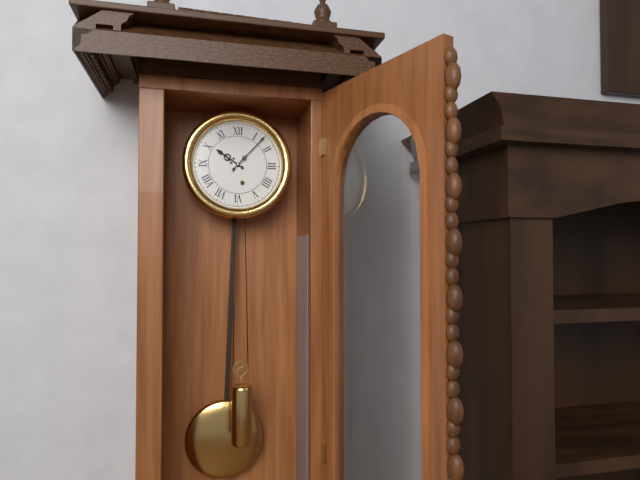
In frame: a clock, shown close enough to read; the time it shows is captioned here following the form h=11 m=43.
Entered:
h=10 m=7
